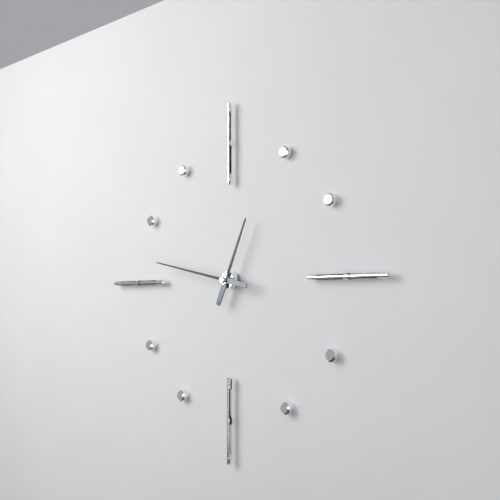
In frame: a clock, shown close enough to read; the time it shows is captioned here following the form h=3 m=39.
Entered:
h=12 m=47
